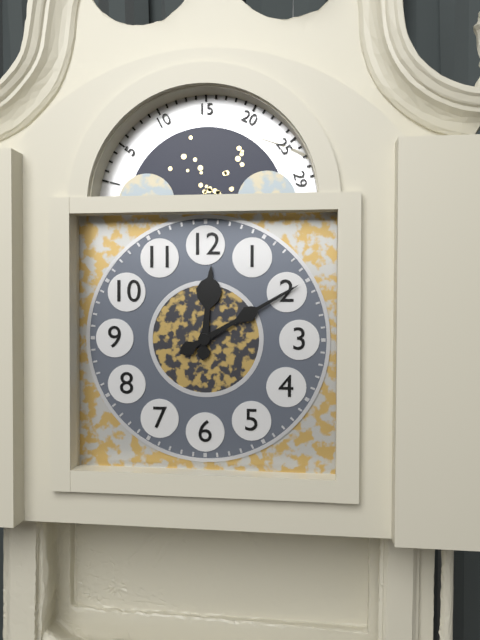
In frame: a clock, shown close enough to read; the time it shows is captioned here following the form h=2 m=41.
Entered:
h=12 m=10
